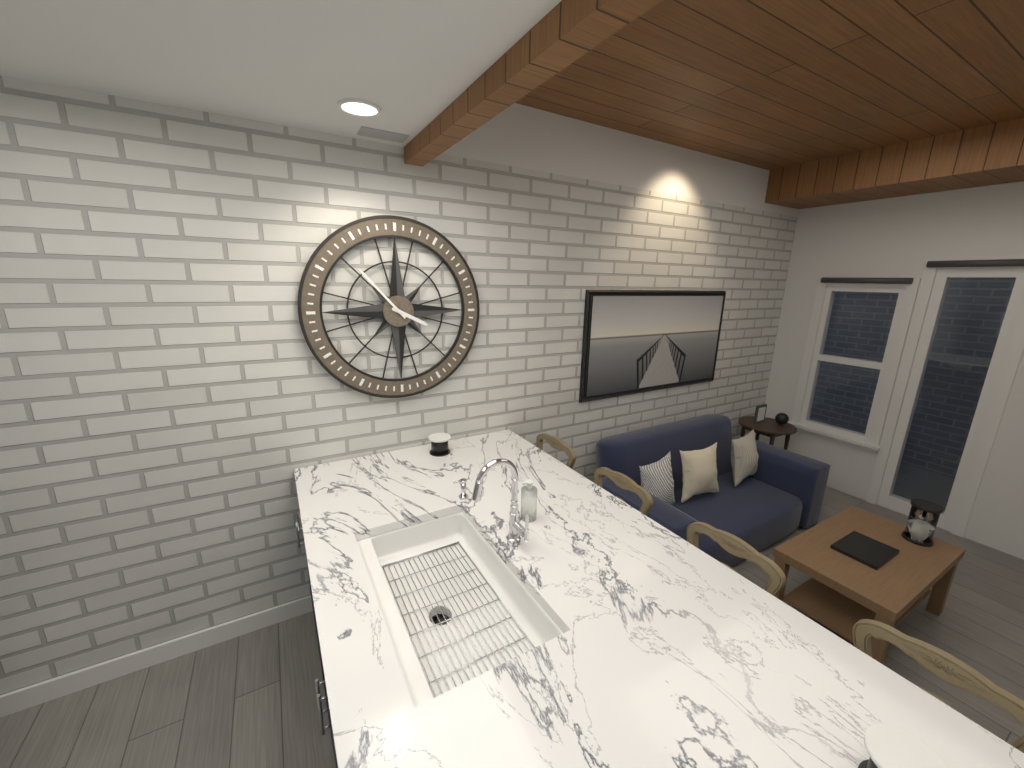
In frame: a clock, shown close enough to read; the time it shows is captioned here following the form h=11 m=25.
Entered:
h=3 m=53
